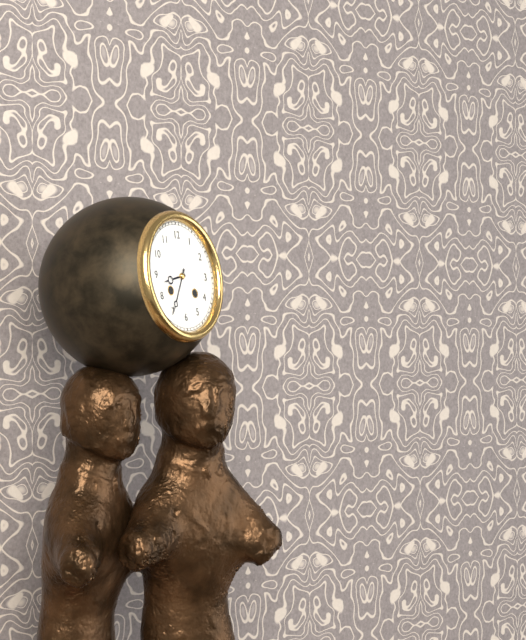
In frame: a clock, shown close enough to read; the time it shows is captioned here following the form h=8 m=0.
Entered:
h=8 m=35
